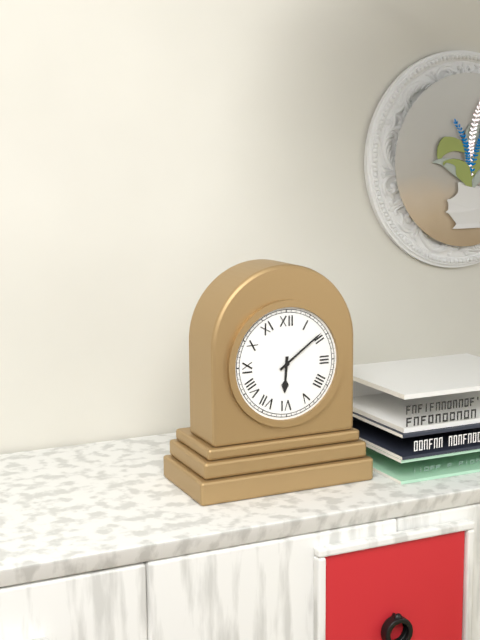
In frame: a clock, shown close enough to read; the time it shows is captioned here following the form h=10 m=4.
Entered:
h=6 m=9
